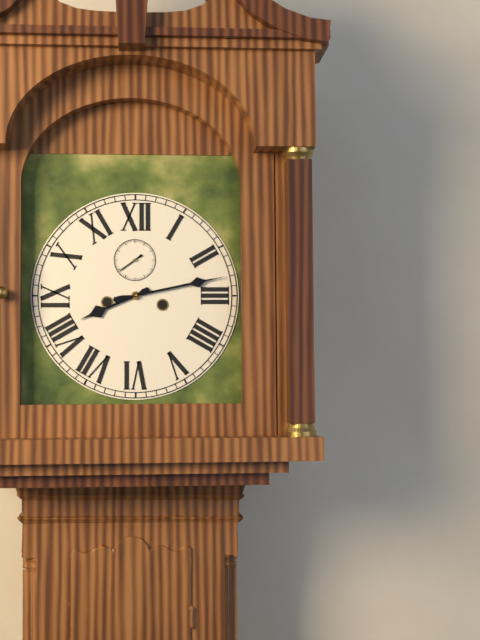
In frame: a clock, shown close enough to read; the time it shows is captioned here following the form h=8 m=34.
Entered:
h=8 m=13
